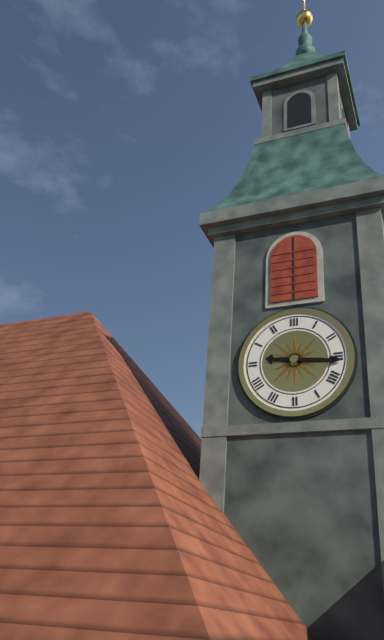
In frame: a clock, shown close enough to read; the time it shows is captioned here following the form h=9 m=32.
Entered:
h=9 m=16
